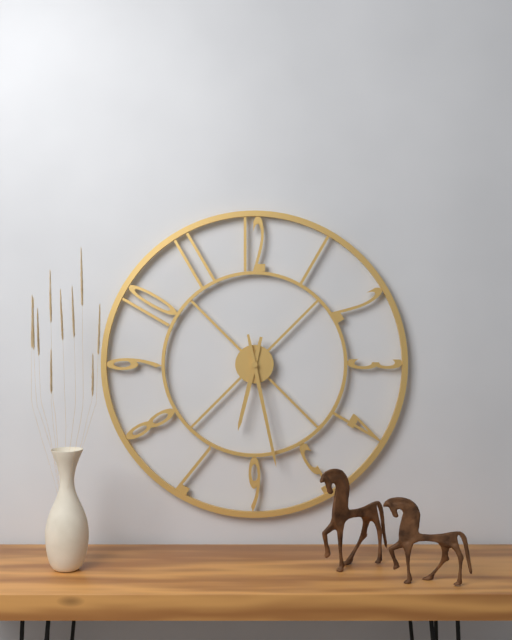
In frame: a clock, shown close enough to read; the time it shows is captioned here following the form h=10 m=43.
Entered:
h=6 m=28
